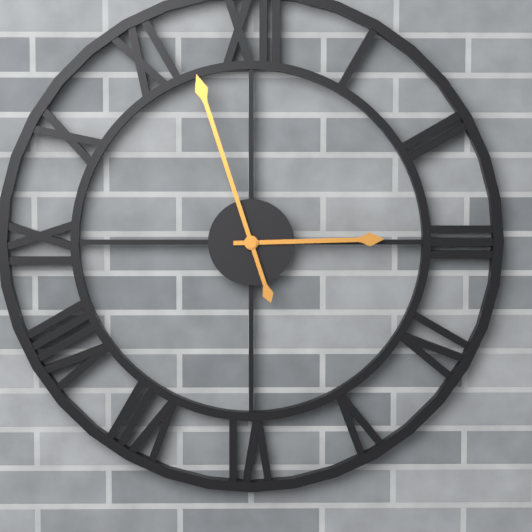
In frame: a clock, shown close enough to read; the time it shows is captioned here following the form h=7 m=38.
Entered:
h=2 m=57
